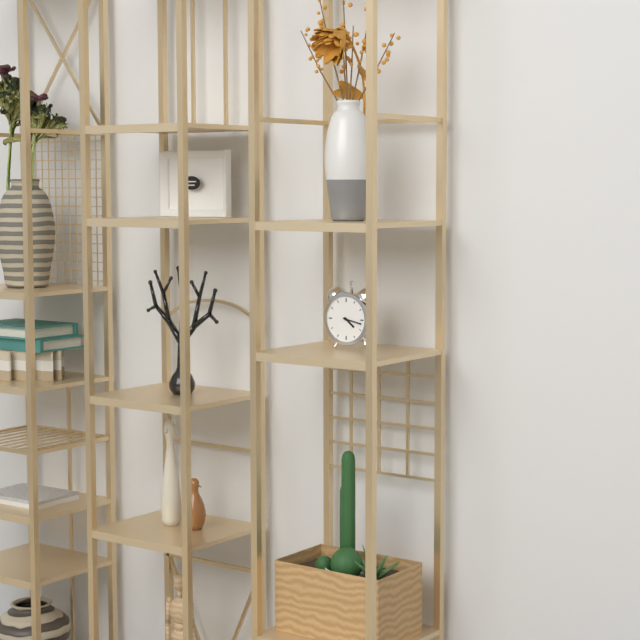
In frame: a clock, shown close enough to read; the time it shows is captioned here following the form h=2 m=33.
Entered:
h=4 m=17
